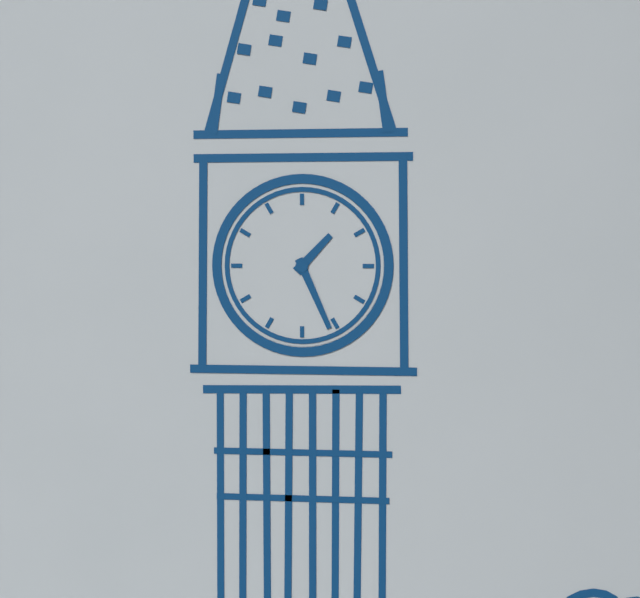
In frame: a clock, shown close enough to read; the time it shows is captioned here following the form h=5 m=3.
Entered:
h=1 m=26
